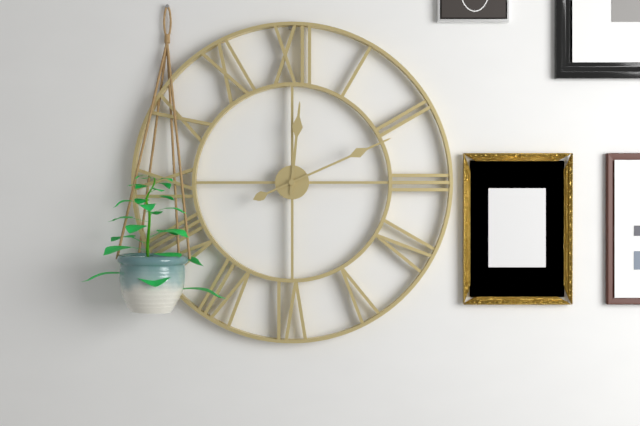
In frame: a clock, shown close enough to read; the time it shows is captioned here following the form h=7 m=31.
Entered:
h=12 m=11
